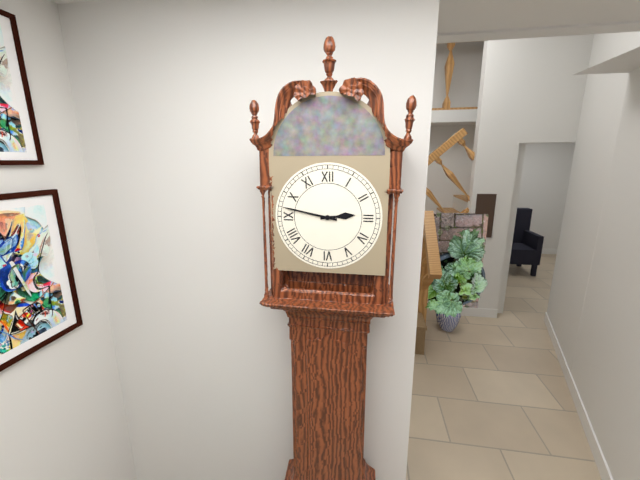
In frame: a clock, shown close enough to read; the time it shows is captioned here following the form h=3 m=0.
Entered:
h=2 m=47
